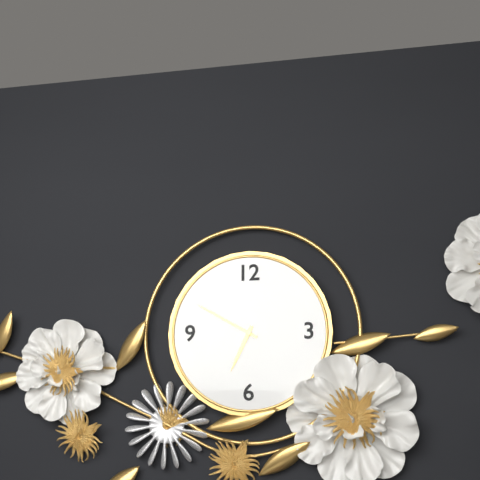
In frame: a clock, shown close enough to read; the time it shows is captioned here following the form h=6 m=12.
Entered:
h=6 m=50
